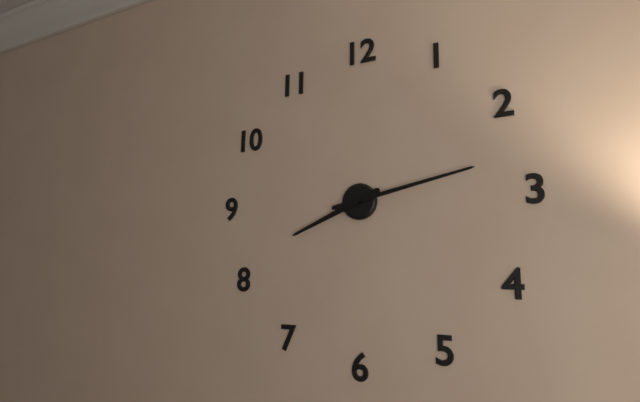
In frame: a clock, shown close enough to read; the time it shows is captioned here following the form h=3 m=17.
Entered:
h=8 m=13
